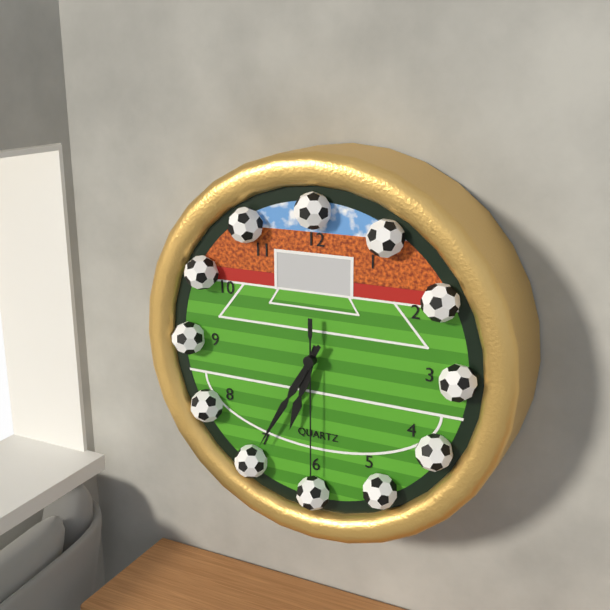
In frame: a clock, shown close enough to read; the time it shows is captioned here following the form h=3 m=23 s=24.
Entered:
h=6 m=35 s=30
